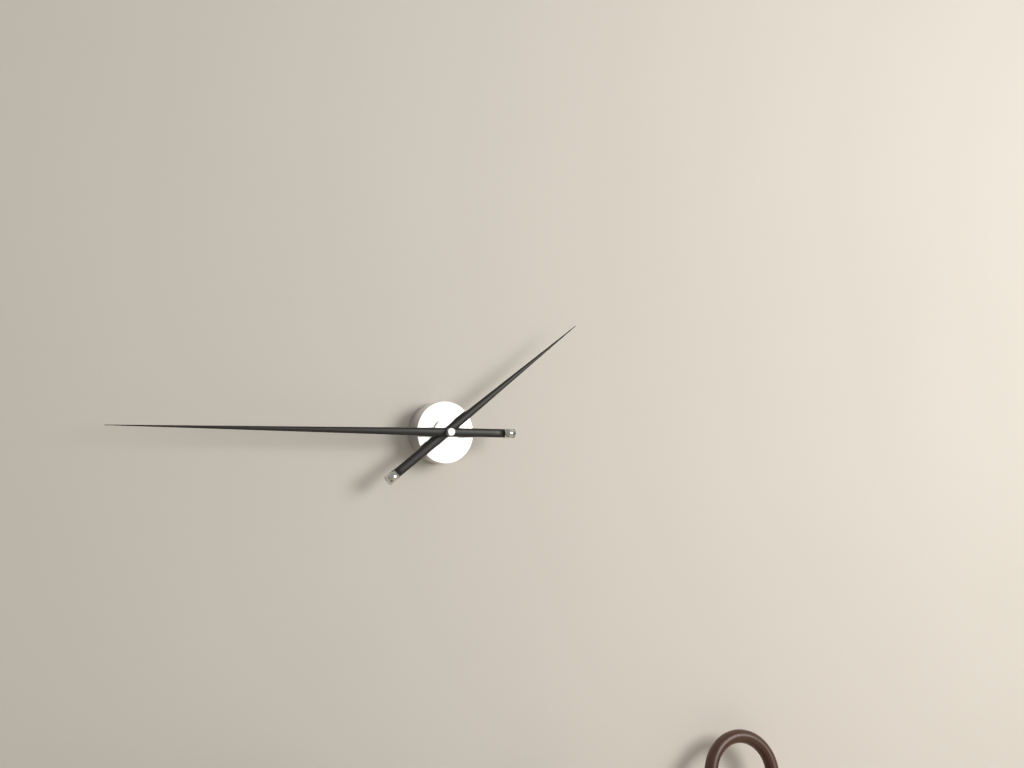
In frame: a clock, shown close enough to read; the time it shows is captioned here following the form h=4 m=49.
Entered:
h=1 m=45
